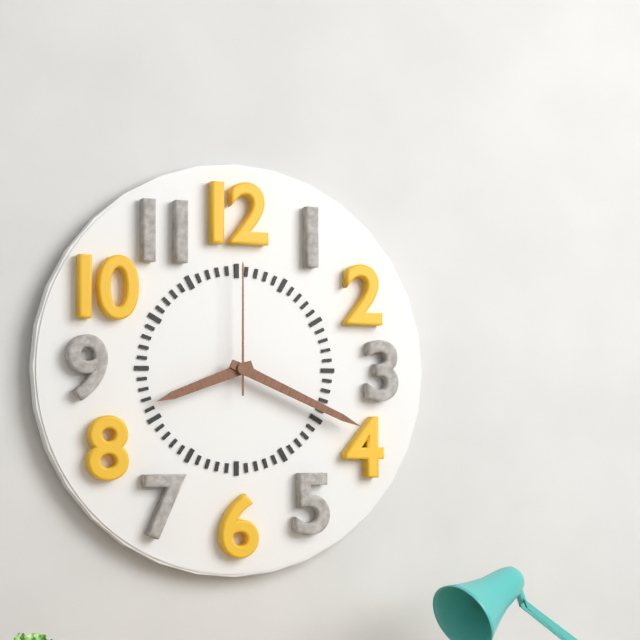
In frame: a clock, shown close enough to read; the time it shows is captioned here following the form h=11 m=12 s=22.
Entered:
h=8 m=19 s=0
